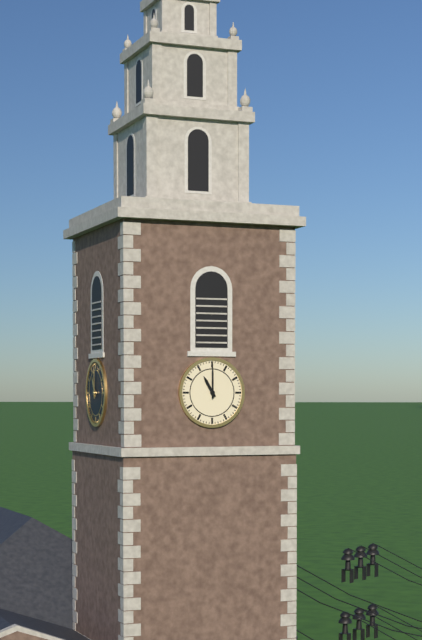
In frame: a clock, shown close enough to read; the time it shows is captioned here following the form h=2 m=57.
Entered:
h=11 m=0
